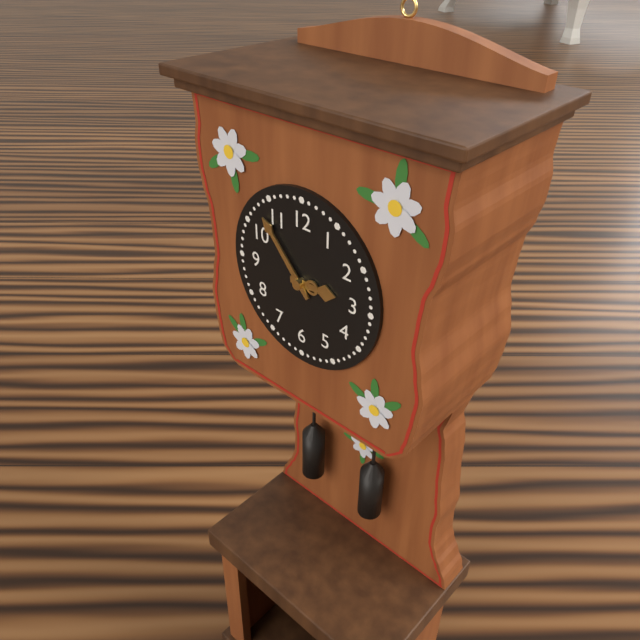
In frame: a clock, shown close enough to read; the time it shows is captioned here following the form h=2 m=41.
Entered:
h=2 m=53
